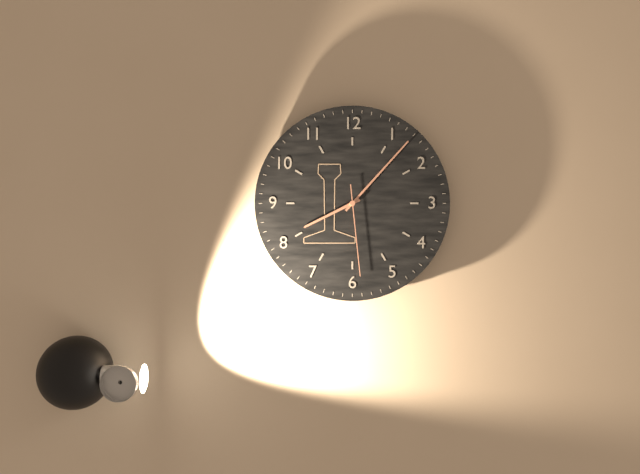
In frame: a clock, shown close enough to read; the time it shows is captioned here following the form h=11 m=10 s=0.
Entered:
h=8 m=7 s=29
